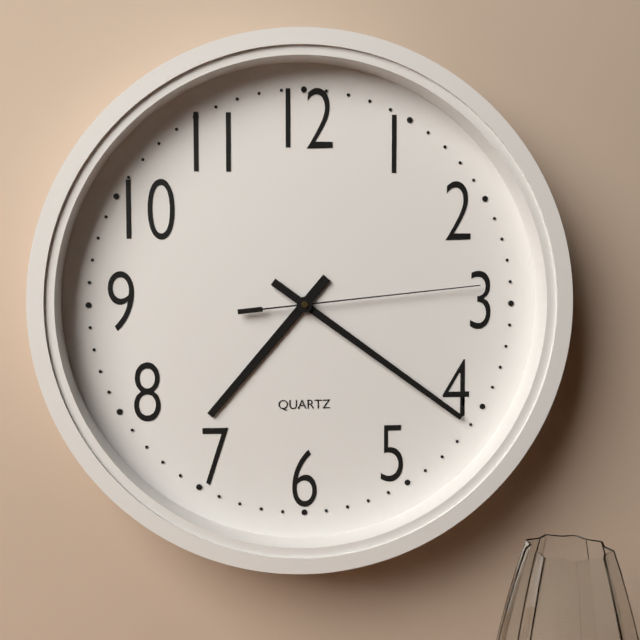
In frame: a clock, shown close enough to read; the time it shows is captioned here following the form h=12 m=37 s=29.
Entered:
h=7 m=21 s=14
